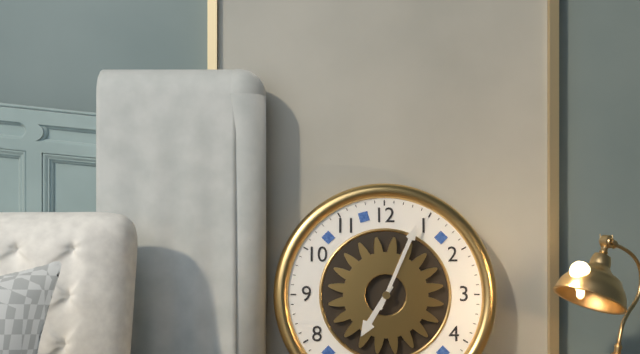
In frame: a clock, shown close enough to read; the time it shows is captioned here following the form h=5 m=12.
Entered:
h=7 m=4
